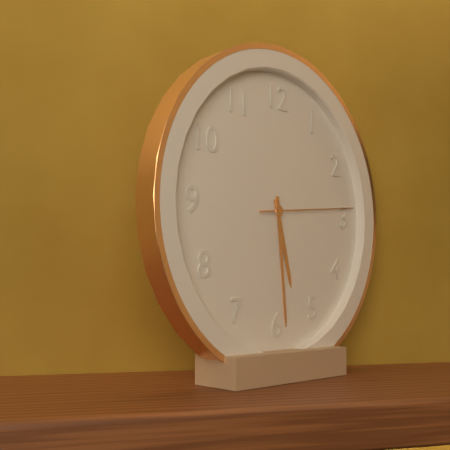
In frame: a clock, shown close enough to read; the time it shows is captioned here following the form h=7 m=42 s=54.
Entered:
h=5 m=29 s=14
